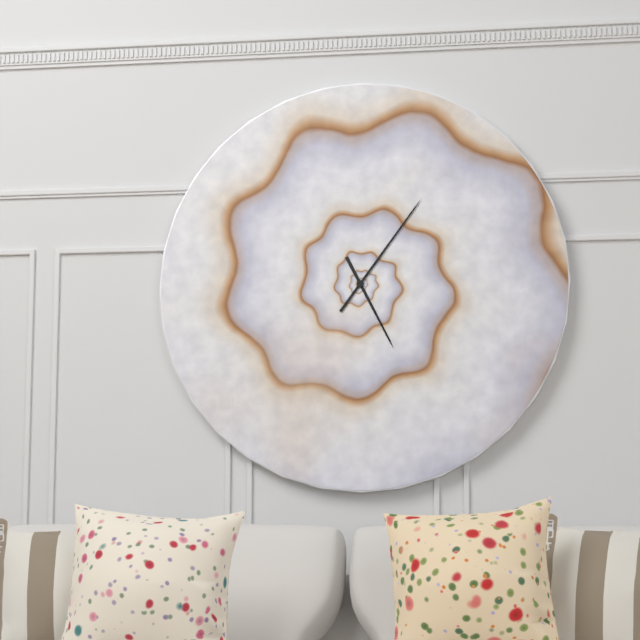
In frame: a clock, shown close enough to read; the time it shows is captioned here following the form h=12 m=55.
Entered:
h=5 m=6
